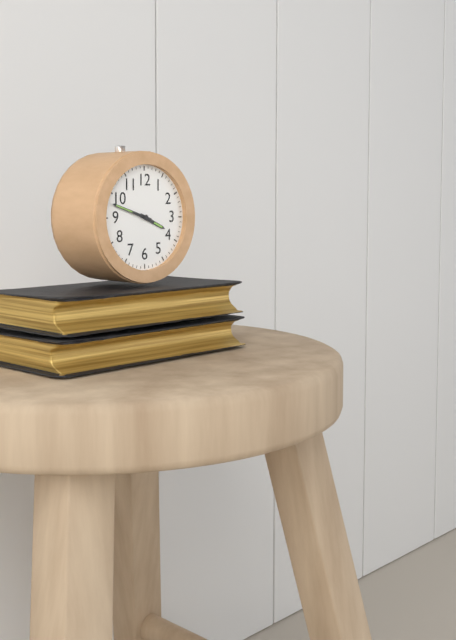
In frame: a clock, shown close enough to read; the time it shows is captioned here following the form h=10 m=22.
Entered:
h=3 m=48
